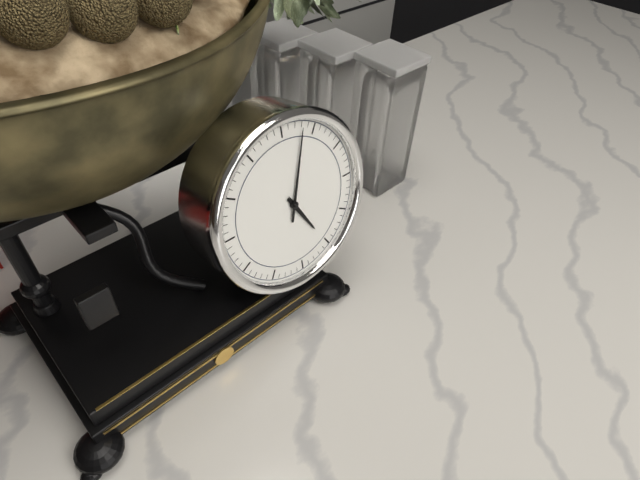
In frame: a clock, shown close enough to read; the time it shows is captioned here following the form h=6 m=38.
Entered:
h=5 m=3
